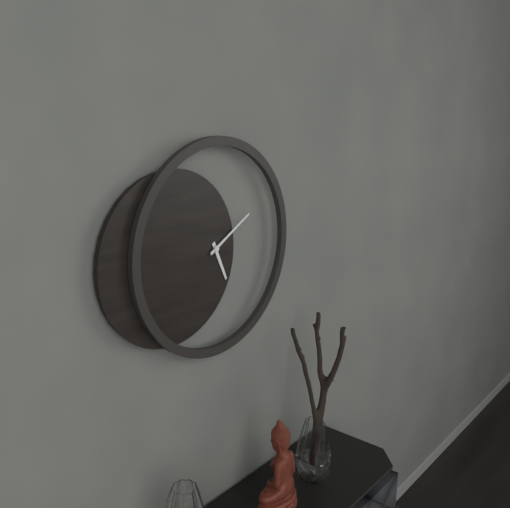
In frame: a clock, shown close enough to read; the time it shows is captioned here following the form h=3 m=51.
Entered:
h=5 m=10
